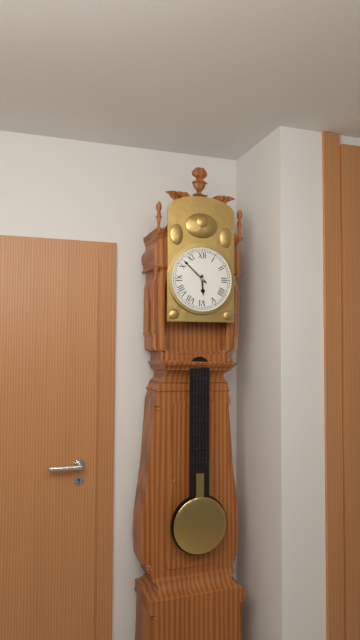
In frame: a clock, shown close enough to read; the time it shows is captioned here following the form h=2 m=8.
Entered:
h=5 m=52
